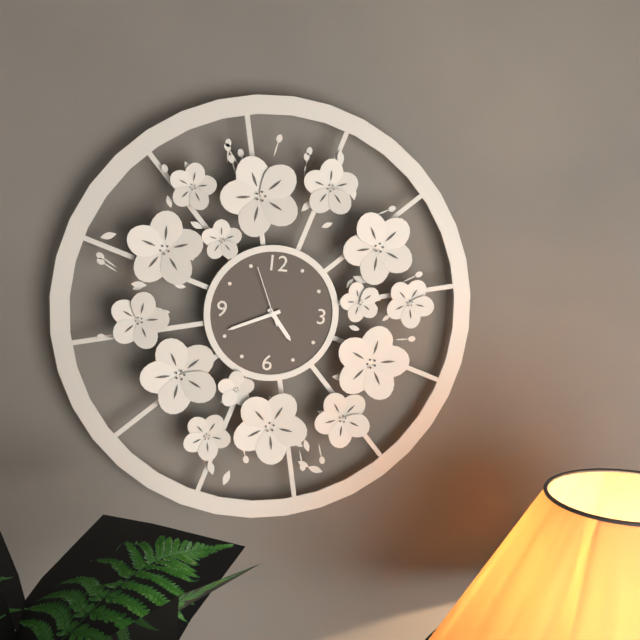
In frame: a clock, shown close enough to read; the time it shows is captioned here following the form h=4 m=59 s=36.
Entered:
h=4 m=41 s=56
